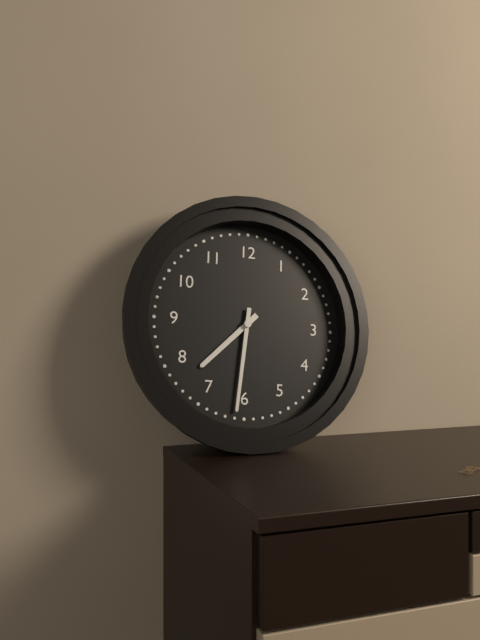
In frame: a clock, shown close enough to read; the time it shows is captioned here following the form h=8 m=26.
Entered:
h=7 m=31
